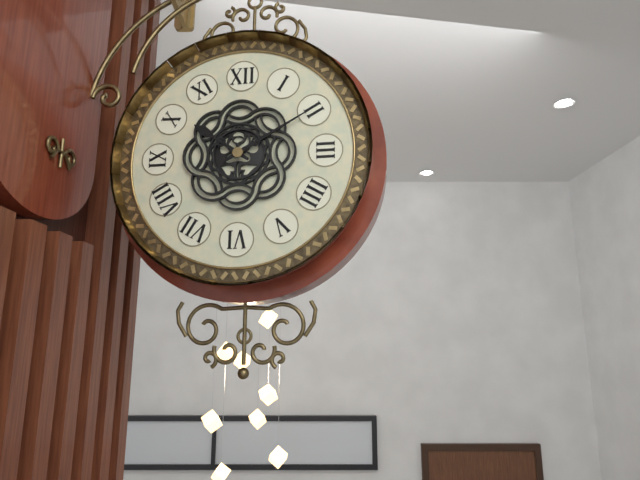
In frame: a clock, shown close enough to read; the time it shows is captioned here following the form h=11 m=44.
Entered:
h=10 m=10
